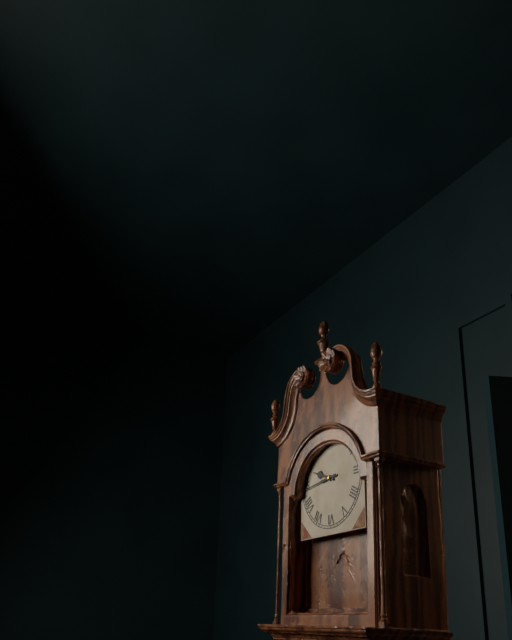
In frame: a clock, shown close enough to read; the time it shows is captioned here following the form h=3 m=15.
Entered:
h=9 m=44
